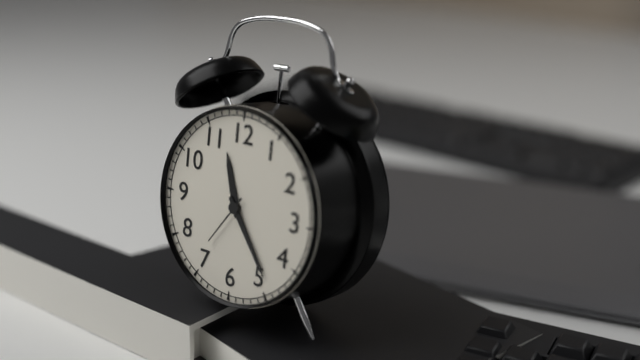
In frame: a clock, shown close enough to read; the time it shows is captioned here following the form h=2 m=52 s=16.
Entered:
h=11 m=24 s=36
